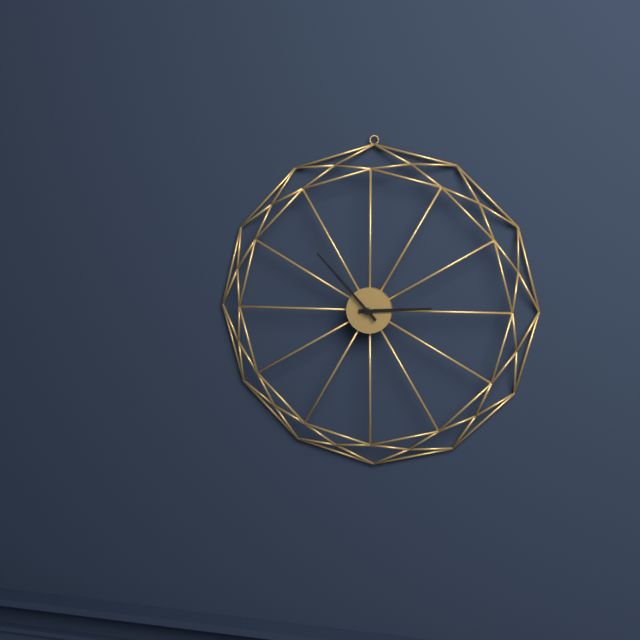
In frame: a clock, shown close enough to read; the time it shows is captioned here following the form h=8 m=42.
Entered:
h=2 m=53
